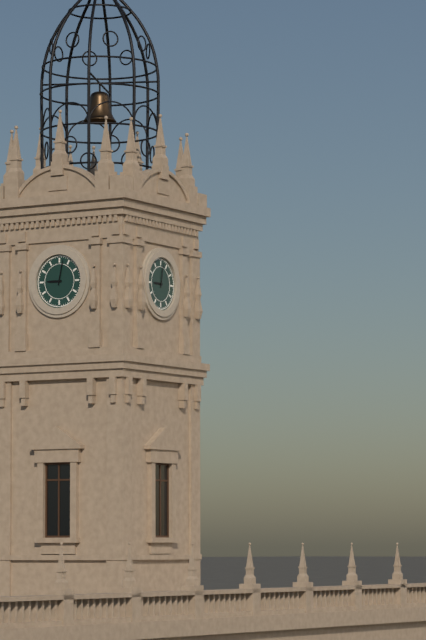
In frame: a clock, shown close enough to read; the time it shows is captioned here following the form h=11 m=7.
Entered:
h=9 m=2
